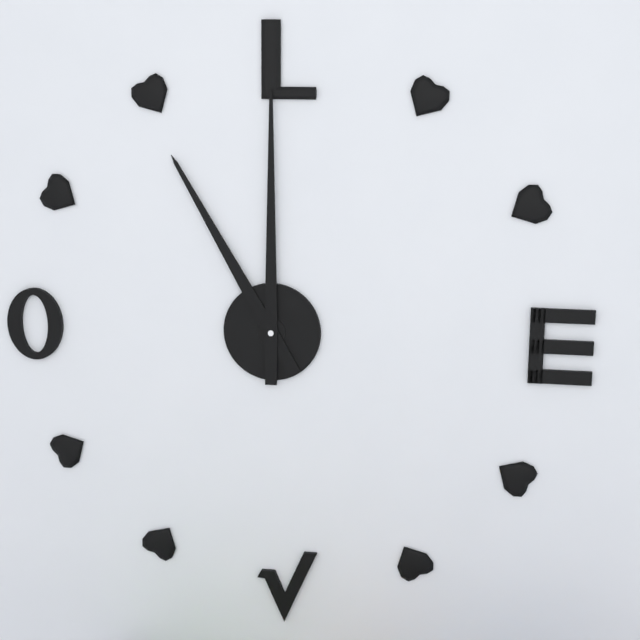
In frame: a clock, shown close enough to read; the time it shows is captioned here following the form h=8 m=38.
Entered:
h=11 m=0
